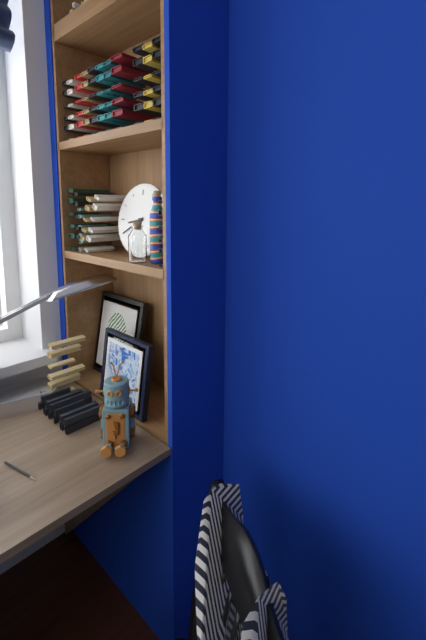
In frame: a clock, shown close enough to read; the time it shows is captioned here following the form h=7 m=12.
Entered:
h=8 m=40
